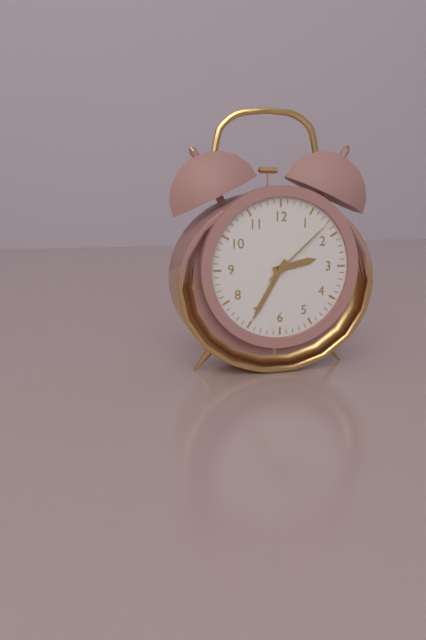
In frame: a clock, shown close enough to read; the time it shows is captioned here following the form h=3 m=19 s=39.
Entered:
h=2 m=35 s=8
